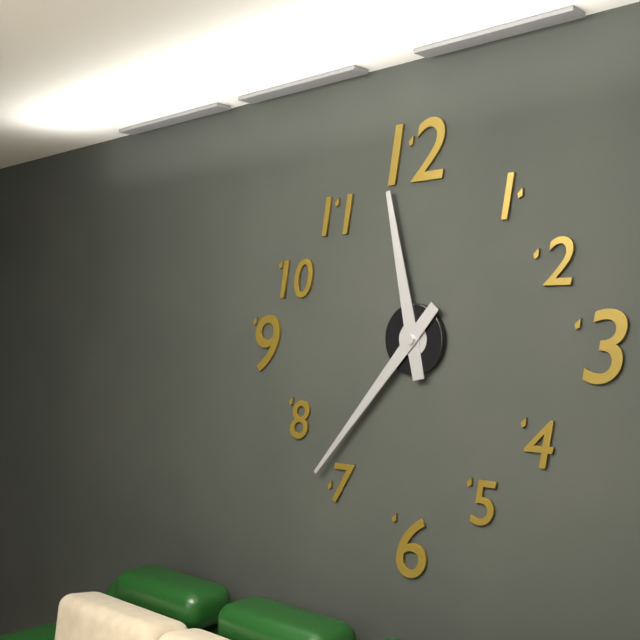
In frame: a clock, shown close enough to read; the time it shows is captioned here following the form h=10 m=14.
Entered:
h=11 m=37
